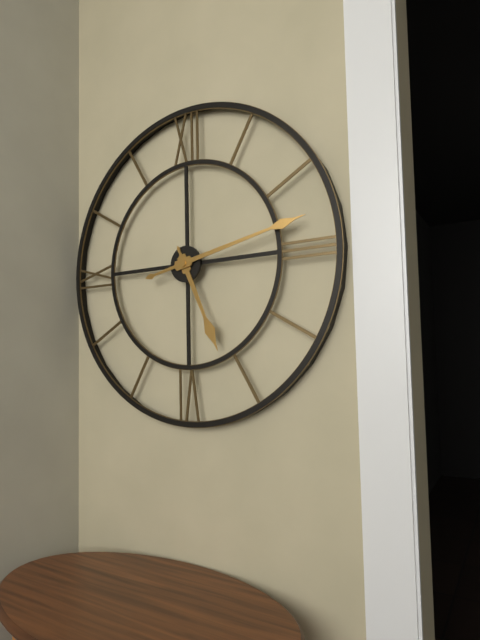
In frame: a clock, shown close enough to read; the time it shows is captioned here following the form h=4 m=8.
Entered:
h=5 m=13
